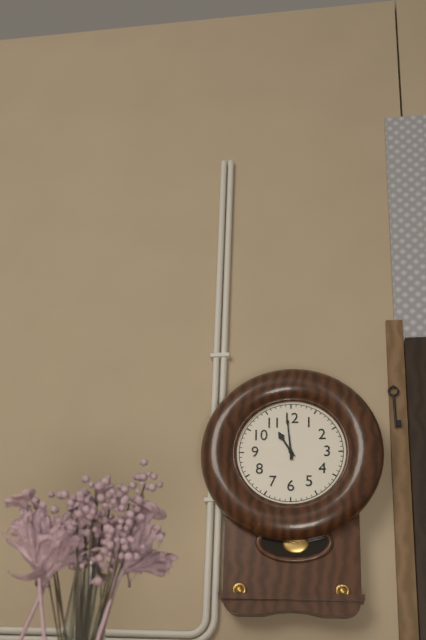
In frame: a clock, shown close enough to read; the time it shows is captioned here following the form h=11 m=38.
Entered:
h=10 m=59
